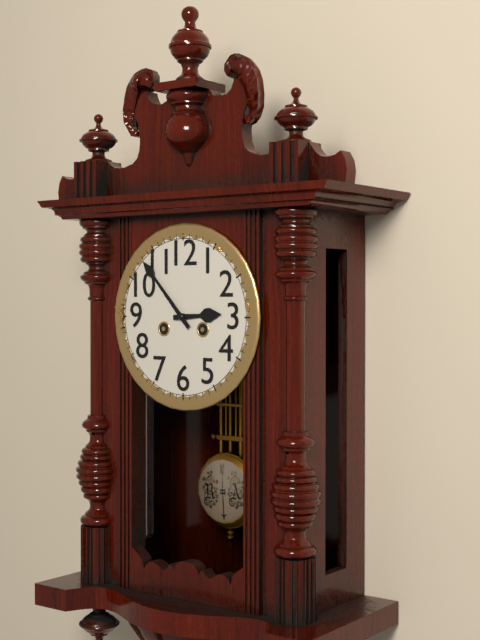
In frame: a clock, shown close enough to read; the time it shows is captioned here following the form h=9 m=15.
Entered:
h=2 m=53
